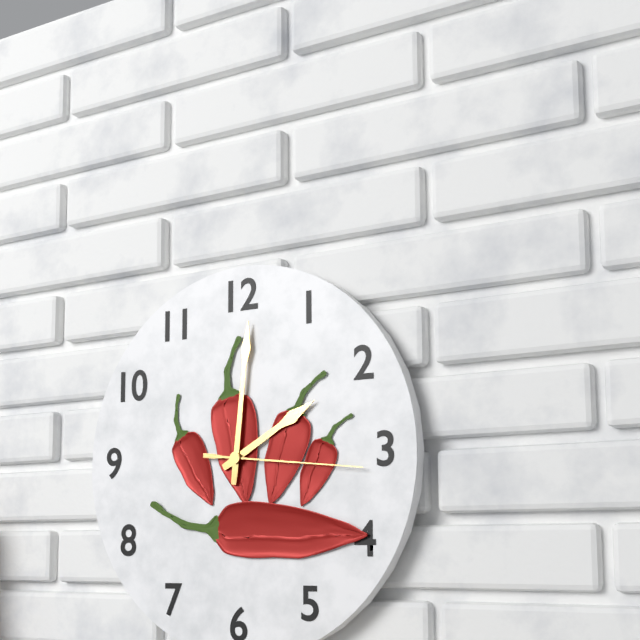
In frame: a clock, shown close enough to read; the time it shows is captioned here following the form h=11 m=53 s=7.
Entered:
h=2 m=1 s=16
